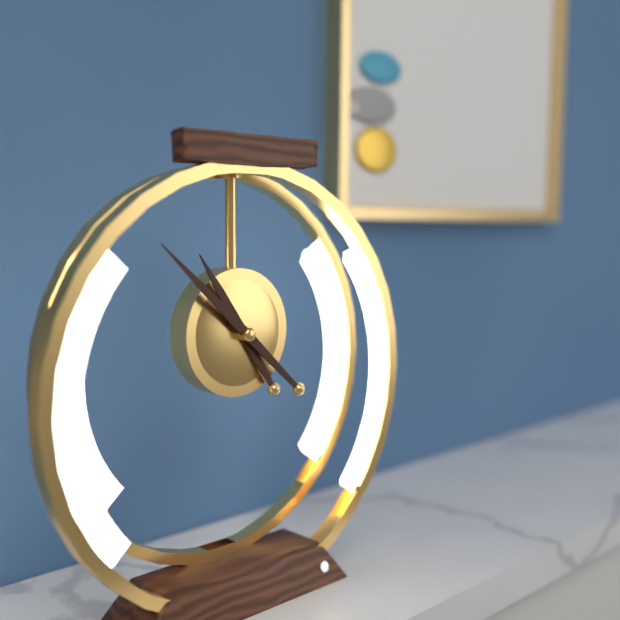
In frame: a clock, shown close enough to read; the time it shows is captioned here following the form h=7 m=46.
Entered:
h=10 m=52
